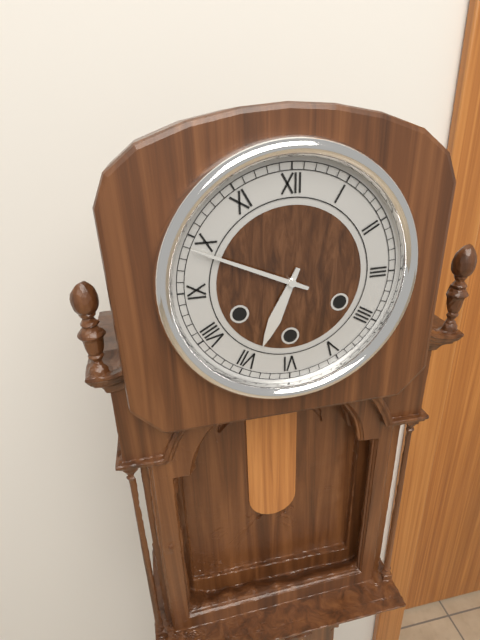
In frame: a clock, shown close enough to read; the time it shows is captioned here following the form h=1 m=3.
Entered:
h=6 m=49
